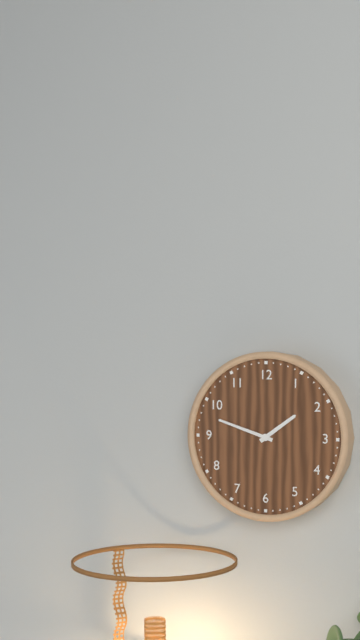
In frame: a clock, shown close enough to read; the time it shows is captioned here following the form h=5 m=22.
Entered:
h=1 m=48
